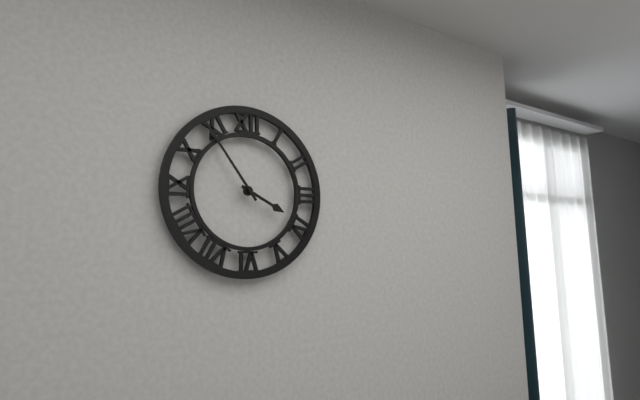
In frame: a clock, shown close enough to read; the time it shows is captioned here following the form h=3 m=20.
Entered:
h=3 m=54
